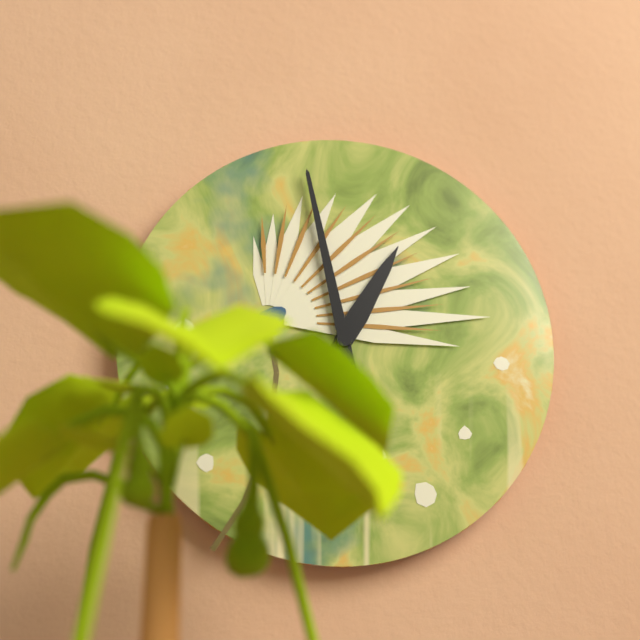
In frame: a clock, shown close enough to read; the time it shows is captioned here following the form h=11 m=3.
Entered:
h=12 m=58
